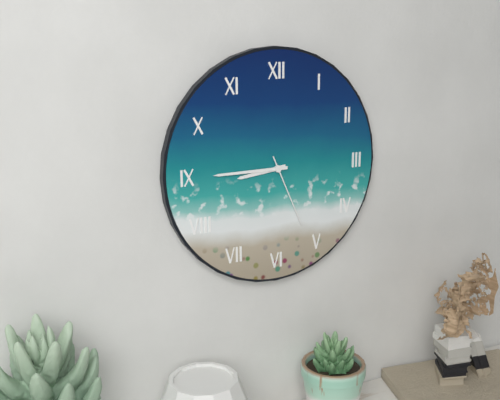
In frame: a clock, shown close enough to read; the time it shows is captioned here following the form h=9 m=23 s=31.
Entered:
h=8 m=45 s=26
